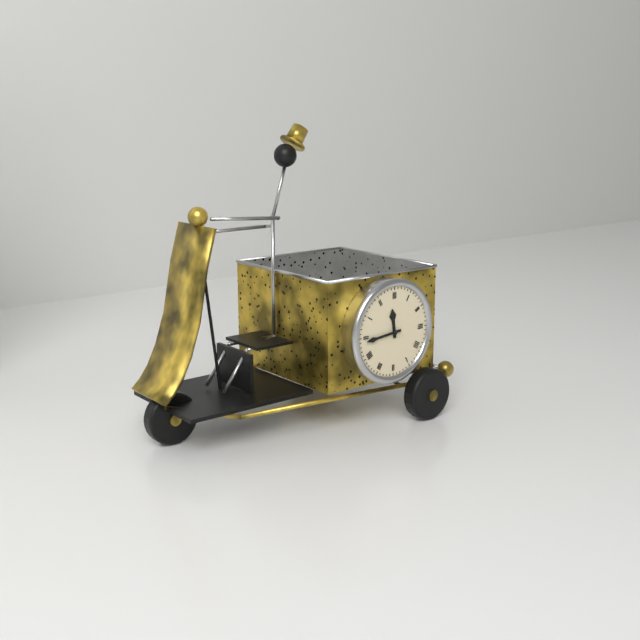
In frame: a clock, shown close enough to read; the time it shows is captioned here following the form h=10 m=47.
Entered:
h=11 m=44
